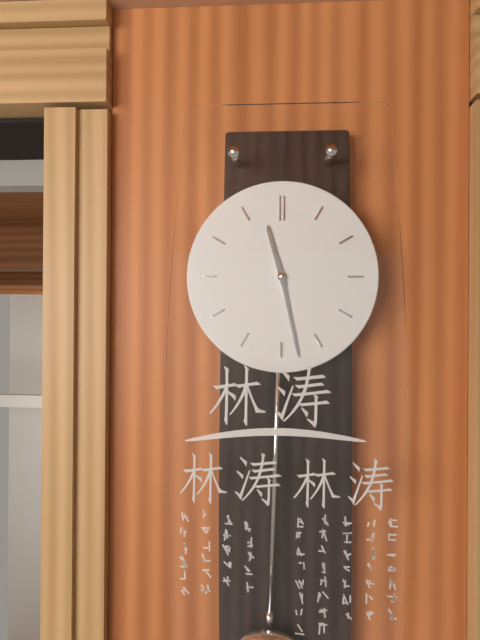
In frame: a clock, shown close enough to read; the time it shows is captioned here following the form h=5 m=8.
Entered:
h=11 m=28
